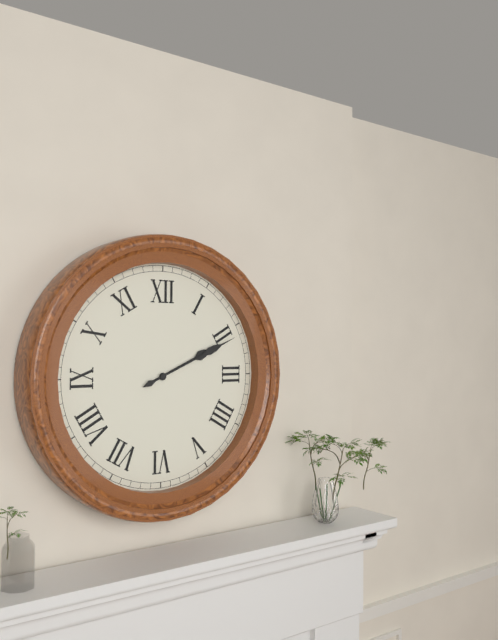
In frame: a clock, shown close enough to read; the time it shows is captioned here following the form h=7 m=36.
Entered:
h=2 m=11
